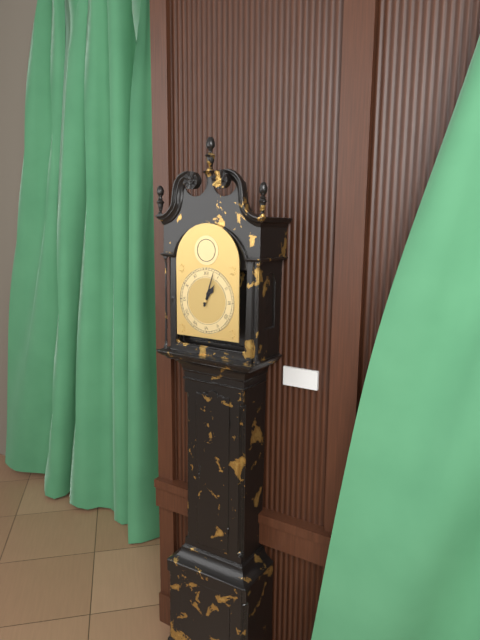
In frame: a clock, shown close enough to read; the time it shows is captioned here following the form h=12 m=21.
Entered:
h=1 m=3
